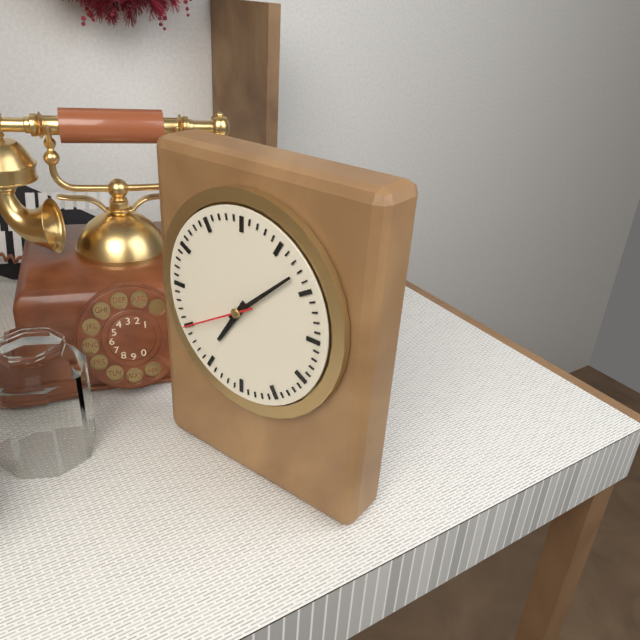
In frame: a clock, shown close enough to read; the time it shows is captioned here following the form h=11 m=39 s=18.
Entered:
h=7 m=8 s=40
